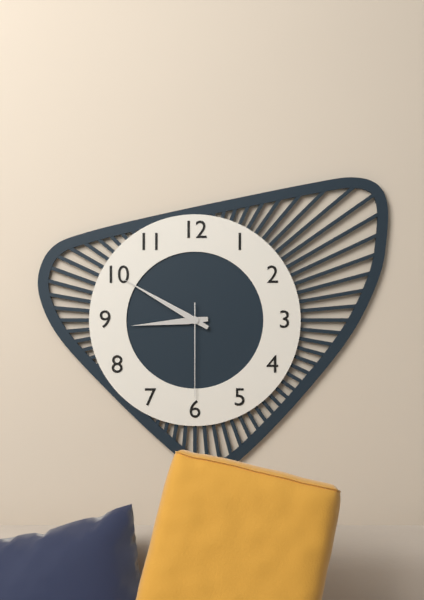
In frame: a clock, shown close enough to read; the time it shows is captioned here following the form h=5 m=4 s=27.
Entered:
h=8 m=50 s=30
